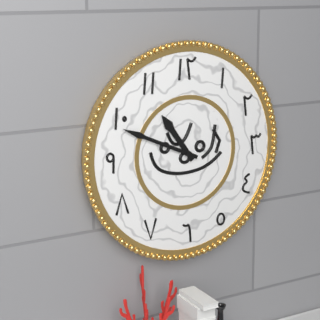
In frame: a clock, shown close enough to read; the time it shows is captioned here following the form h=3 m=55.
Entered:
h=10 m=49
